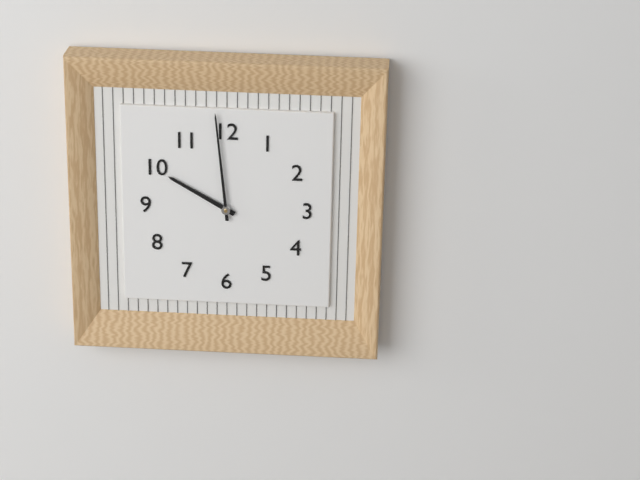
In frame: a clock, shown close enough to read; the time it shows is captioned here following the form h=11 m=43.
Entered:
h=9 m=59
